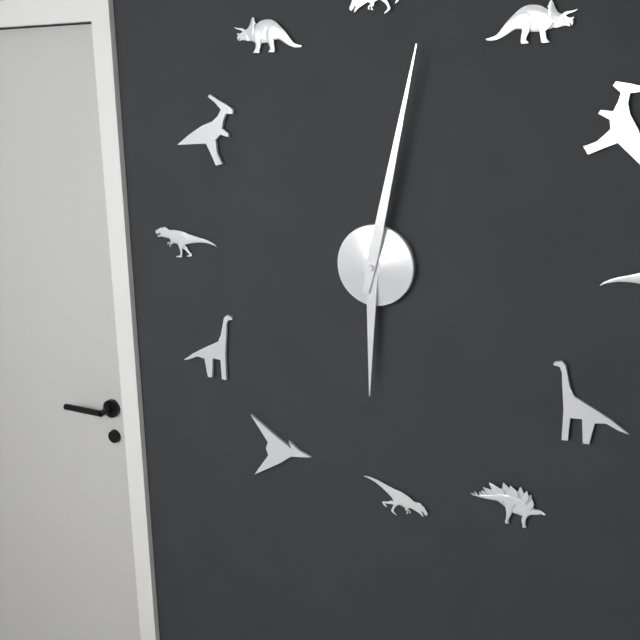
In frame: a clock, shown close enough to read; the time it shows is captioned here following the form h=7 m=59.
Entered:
h=6 m=2
